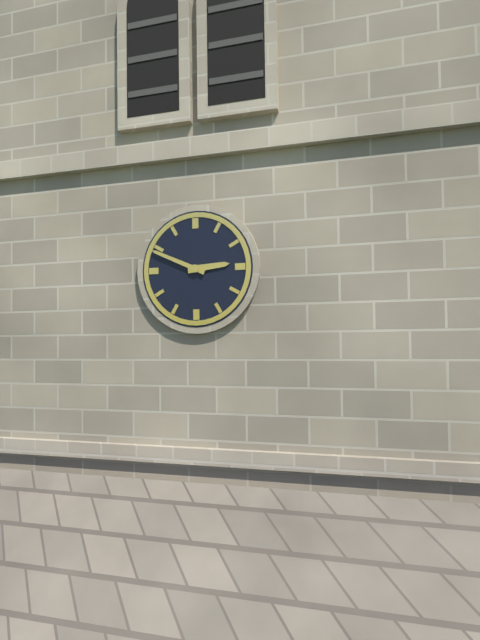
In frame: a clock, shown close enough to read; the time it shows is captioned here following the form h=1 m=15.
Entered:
h=2 m=49
